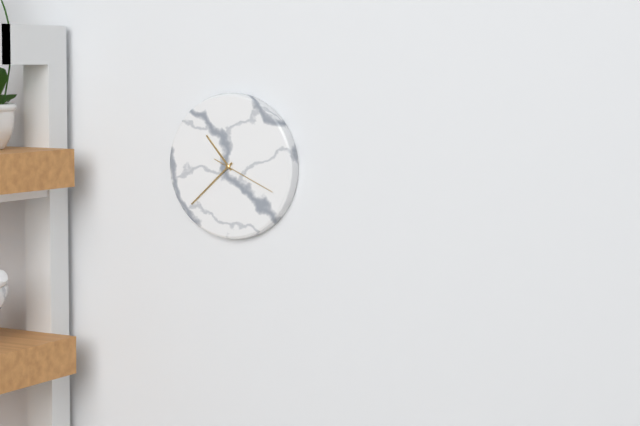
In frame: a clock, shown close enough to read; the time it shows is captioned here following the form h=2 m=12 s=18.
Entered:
h=10 m=38 s=19
